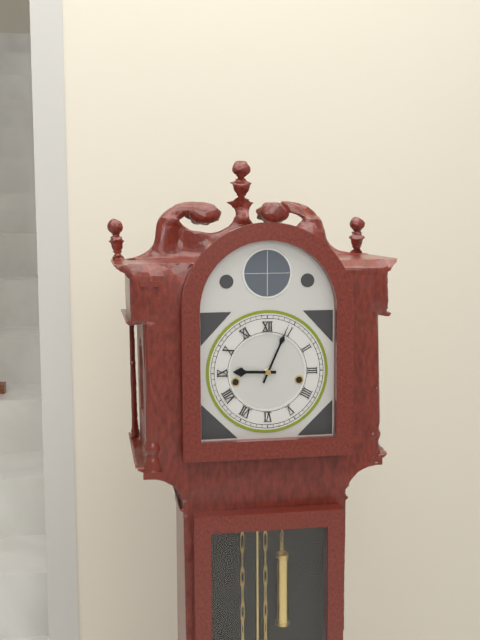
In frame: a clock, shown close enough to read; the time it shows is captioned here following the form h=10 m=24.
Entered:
h=9 m=4
